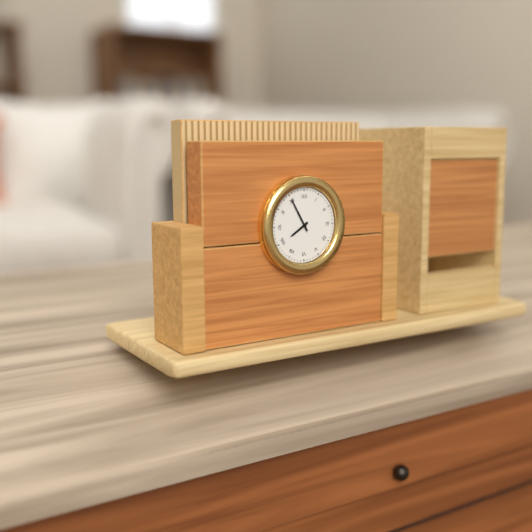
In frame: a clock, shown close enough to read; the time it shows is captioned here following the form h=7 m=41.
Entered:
h=7 m=55
